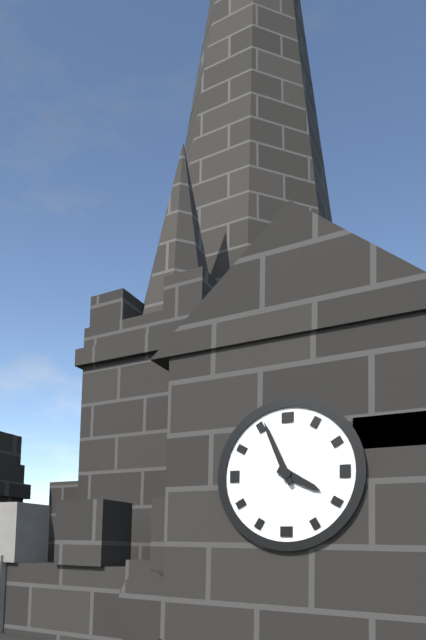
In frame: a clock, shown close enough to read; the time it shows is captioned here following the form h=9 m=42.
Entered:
h=3 m=56
